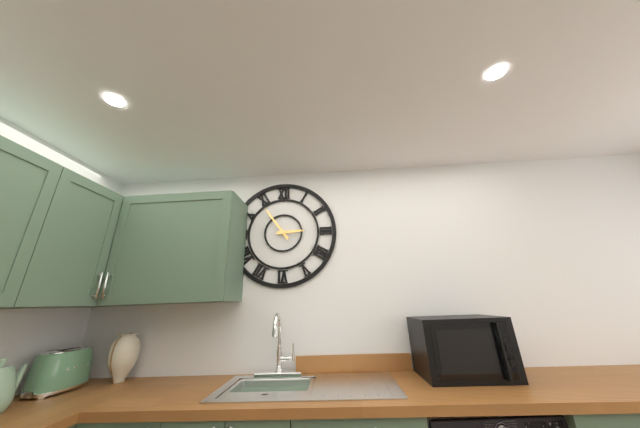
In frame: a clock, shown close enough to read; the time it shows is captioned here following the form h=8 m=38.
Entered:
h=2 m=54
